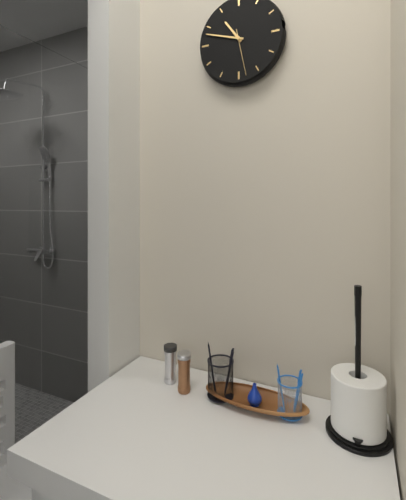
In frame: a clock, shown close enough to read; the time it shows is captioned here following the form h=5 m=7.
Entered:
h=10 m=48
